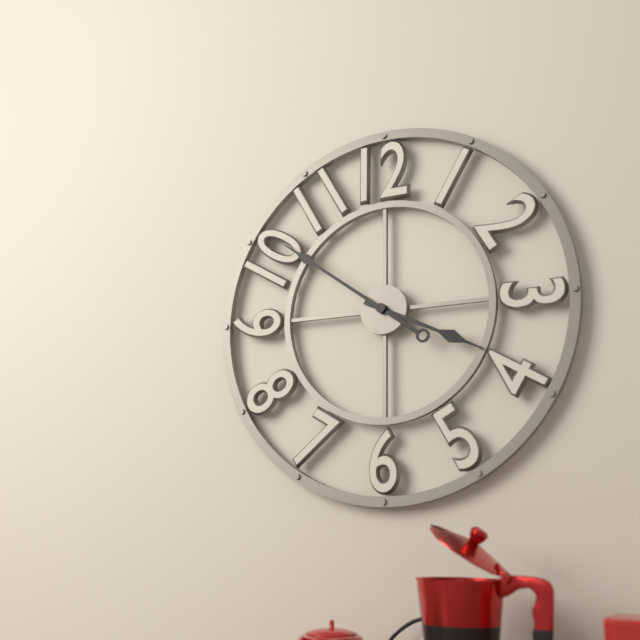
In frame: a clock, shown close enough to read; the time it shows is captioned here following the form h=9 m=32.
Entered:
h=3 m=51
